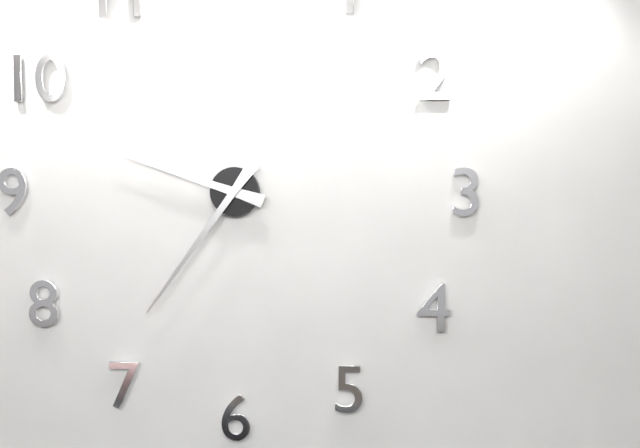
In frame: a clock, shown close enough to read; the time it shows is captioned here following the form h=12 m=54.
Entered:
h=9 m=36
